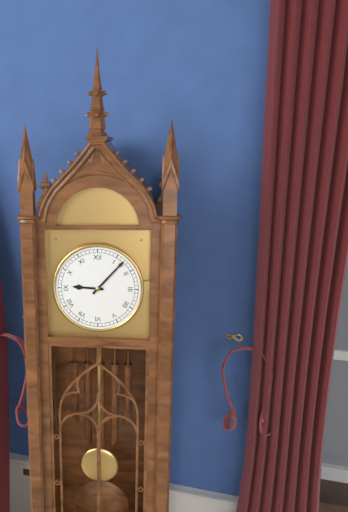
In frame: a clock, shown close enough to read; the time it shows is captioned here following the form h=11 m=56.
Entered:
h=9 m=7
